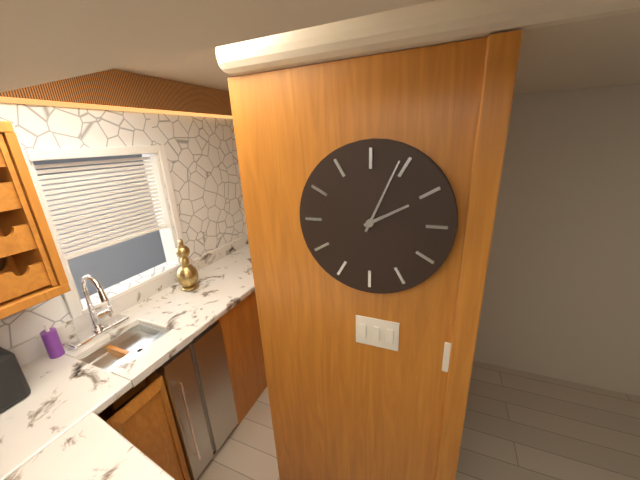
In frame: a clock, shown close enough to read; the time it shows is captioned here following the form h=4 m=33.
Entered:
h=2 m=4
